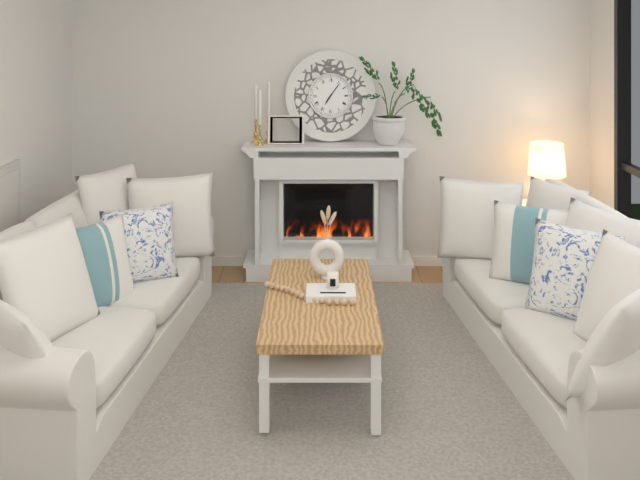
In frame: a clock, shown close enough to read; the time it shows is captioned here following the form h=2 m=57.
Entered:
h=7 m=6
